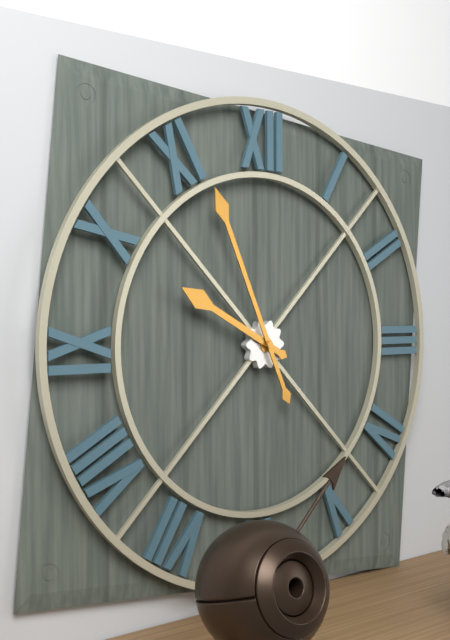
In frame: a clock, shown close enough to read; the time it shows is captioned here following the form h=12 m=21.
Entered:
h=9 m=56
